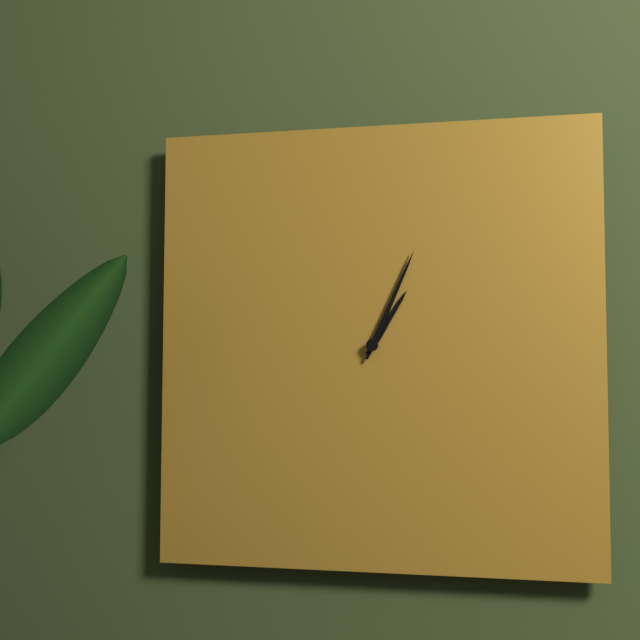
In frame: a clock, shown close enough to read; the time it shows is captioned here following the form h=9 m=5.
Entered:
h=1 m=4
